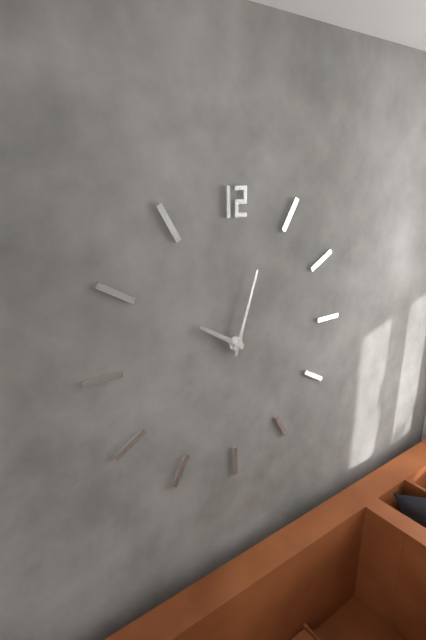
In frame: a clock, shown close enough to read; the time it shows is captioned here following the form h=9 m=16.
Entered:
h=10 m=3
